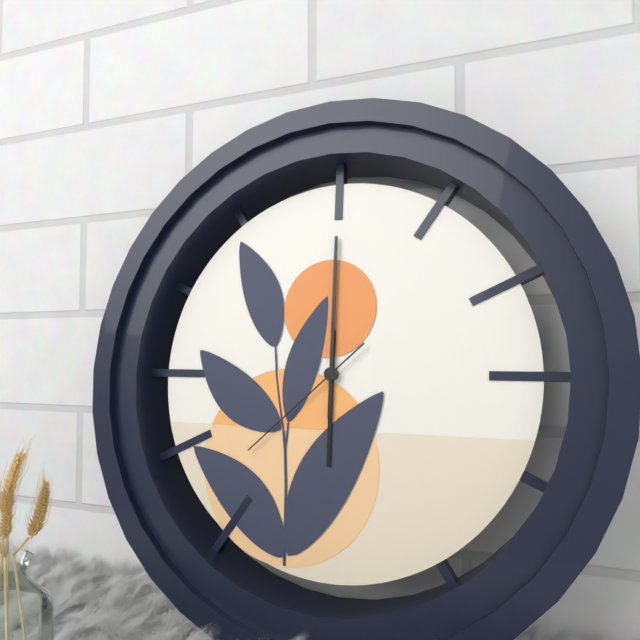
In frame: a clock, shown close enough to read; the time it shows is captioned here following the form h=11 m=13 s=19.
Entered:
h=6 m=0 s=38
